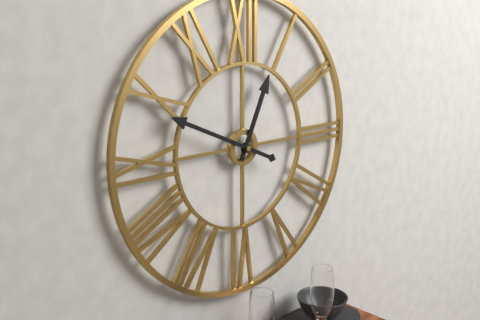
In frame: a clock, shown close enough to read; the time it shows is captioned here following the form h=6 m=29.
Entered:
h=12 m=49
